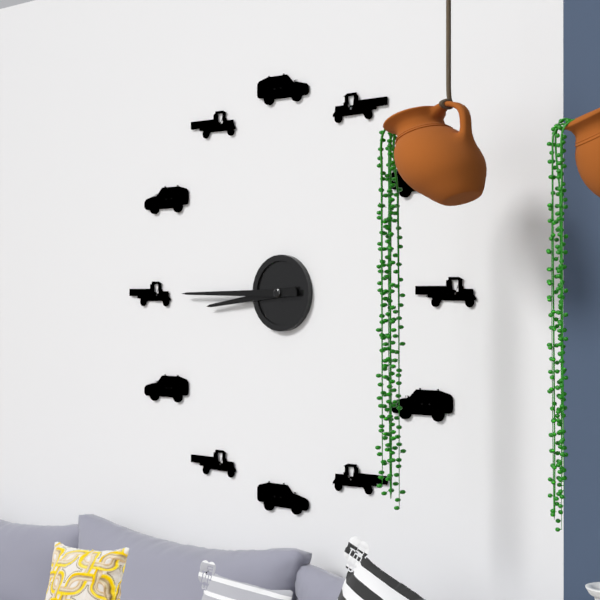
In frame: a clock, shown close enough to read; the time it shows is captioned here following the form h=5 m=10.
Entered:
h=8 m=45
